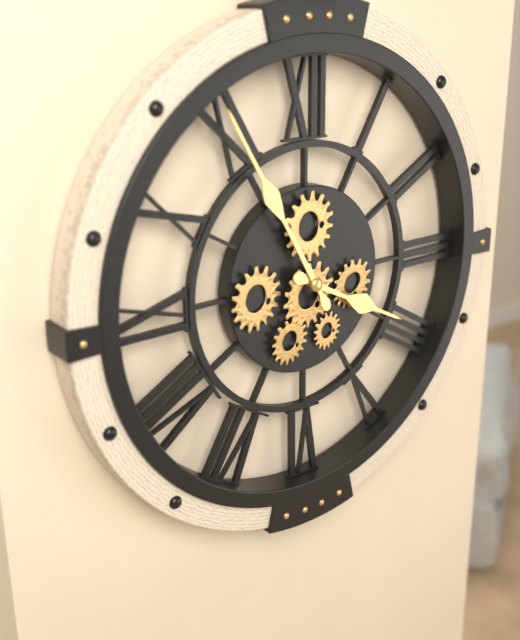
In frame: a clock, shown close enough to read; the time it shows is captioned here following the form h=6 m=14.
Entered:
h=3 m=55
